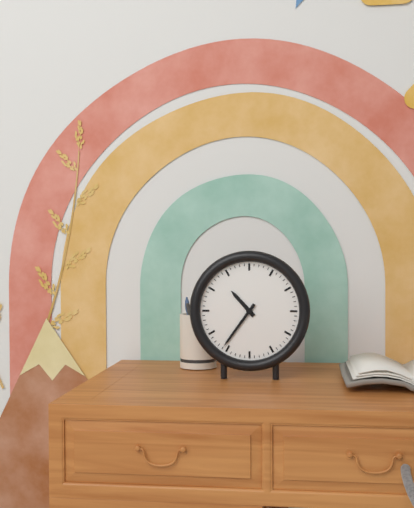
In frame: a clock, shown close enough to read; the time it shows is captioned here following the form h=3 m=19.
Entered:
h=10 m=36
